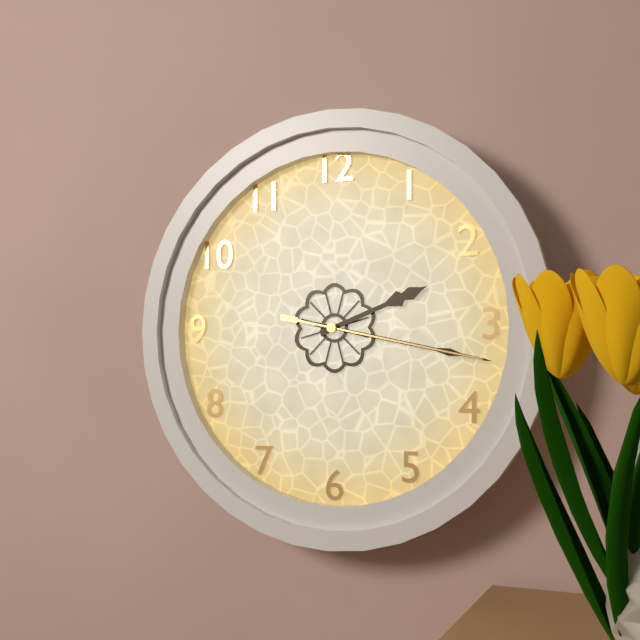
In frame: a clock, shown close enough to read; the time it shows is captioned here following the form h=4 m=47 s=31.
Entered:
h=2 m=17 s=17
